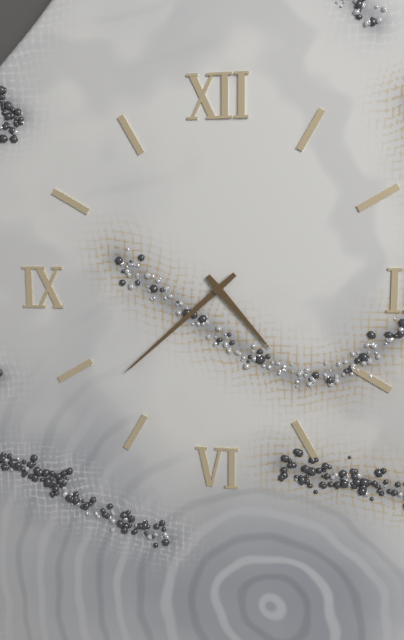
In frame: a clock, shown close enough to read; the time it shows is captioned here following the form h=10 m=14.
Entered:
h=4 m=38
